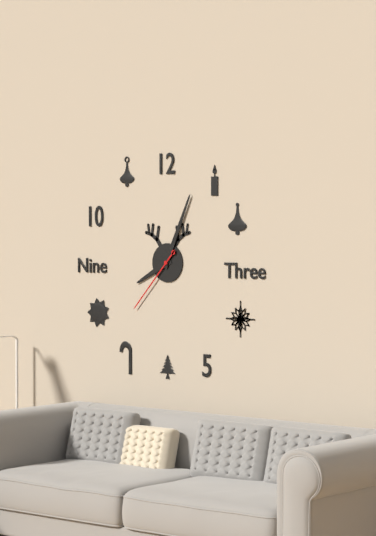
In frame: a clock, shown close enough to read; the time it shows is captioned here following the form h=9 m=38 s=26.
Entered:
h=8 m=4 s=37
